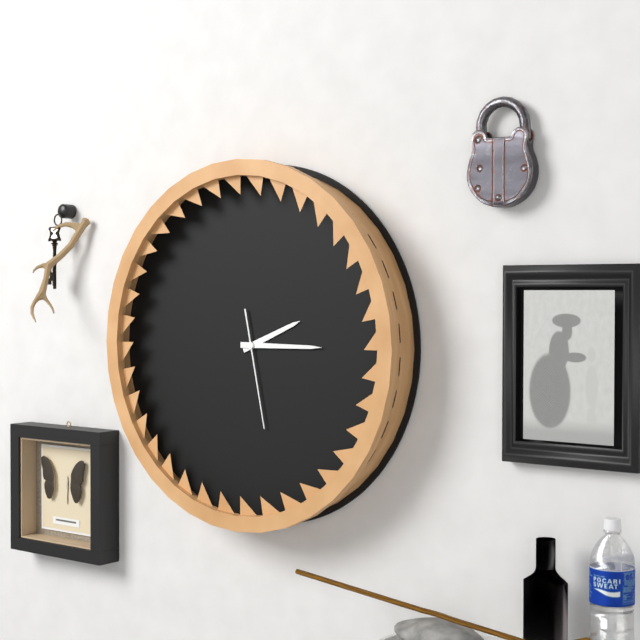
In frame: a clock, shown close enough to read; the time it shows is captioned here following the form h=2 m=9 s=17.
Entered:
h=2 m=15 s=28
